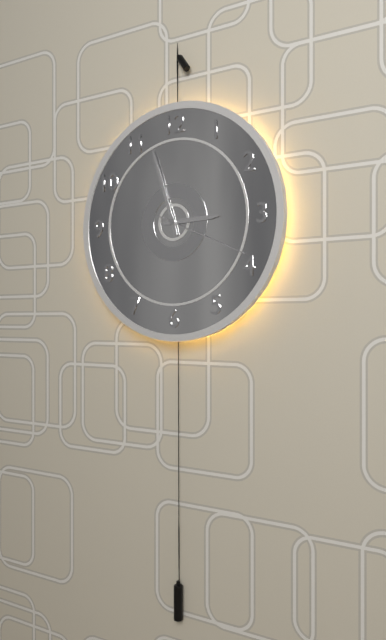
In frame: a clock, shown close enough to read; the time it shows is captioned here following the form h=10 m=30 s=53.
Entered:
h=2 m=57 s=19
